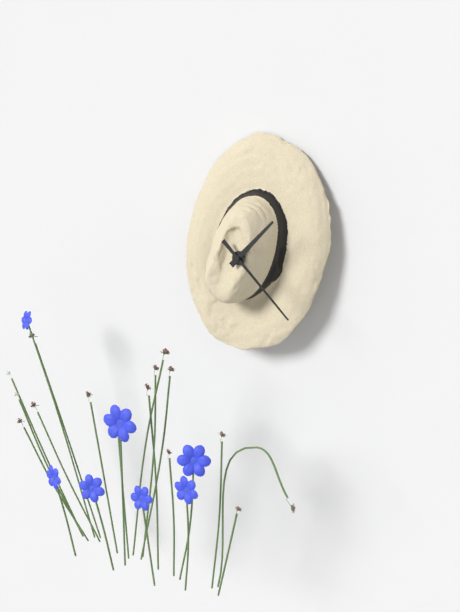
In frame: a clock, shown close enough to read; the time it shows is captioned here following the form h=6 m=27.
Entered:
h=1 m=22
